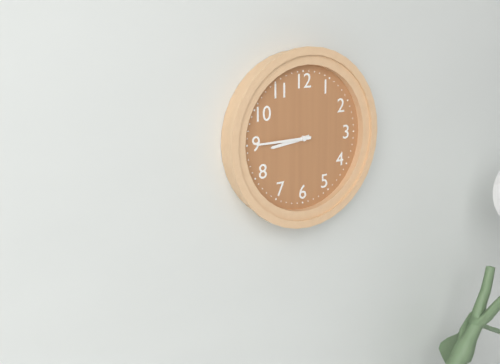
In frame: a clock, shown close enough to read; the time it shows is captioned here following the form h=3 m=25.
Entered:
h=8 m=45
